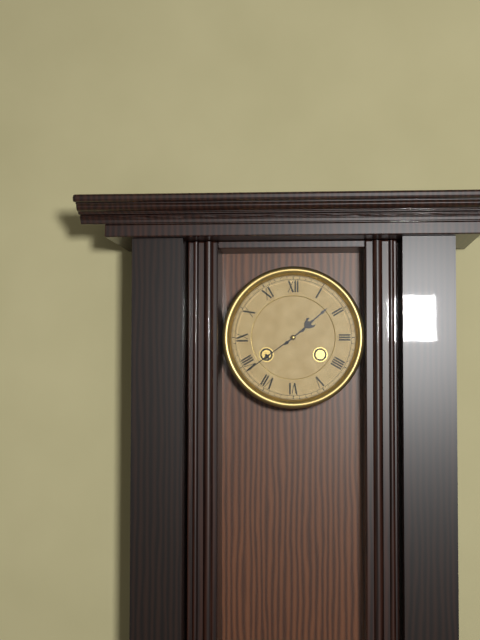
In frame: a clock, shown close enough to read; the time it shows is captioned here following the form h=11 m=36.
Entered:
h=1 m=39
